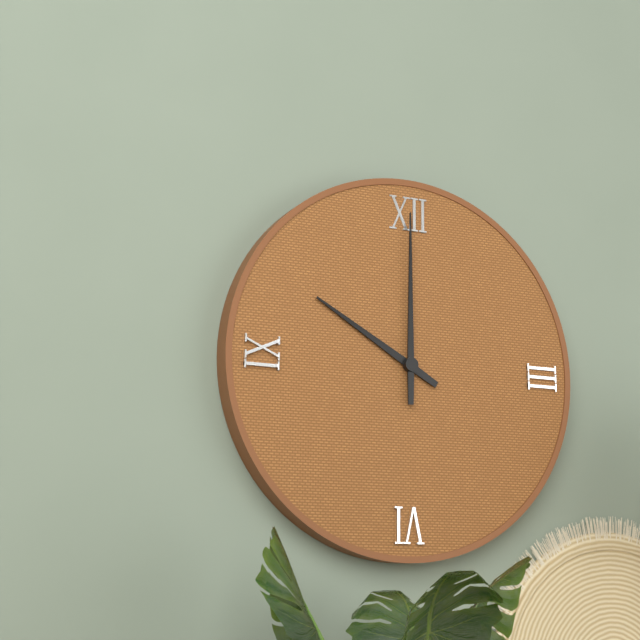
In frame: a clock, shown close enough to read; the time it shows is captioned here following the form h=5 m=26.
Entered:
h=10 m=0
